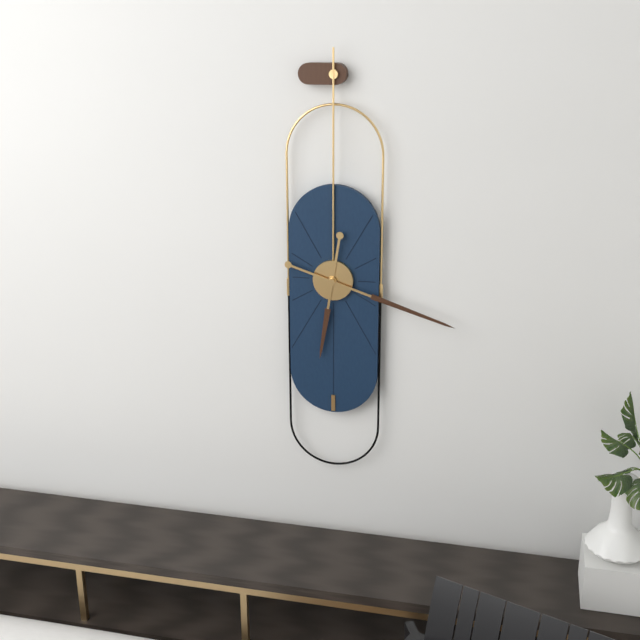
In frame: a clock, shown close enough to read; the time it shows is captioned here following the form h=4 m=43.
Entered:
h=6 m=18
